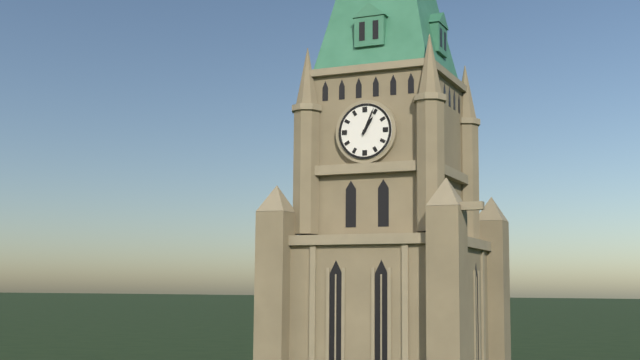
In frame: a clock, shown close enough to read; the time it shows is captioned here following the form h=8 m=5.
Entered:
h=1 m=4
